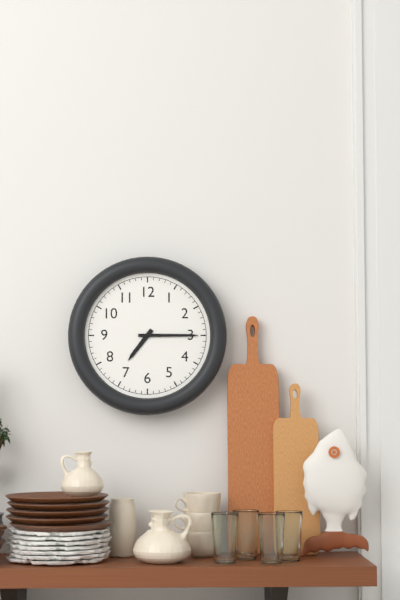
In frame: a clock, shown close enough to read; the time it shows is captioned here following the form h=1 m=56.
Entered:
h=7 m=15
